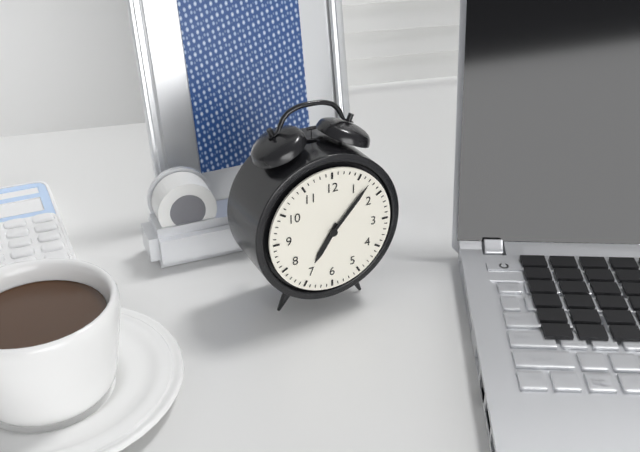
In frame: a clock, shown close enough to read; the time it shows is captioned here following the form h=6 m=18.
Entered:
h=7 m=7
